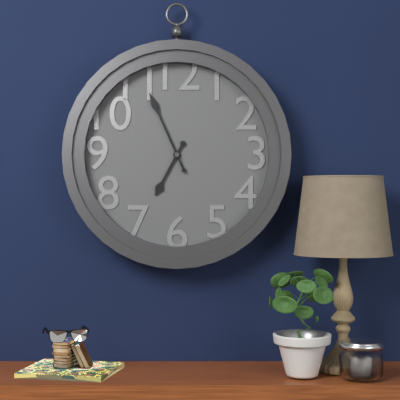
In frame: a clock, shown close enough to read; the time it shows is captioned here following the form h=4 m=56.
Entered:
h=6 m=56
